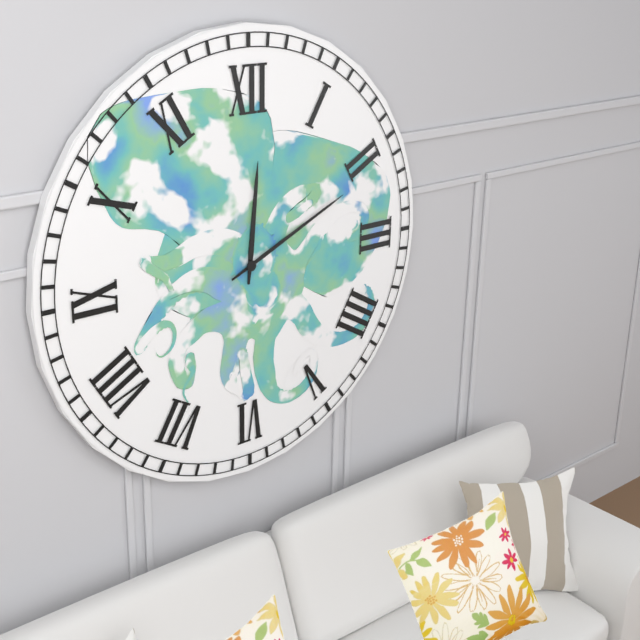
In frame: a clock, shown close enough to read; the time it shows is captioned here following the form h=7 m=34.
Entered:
h=12 m=11
